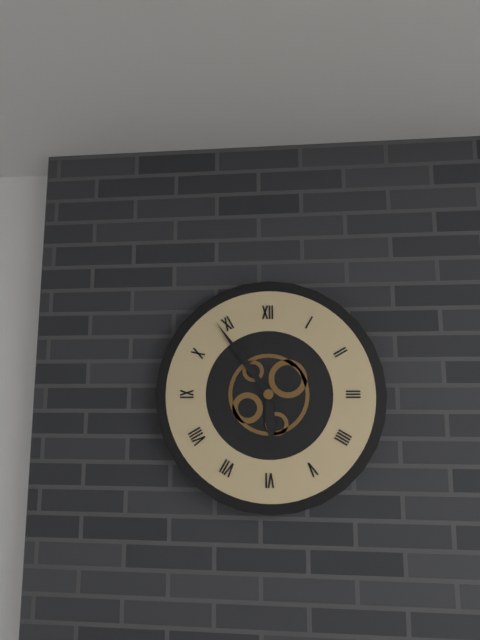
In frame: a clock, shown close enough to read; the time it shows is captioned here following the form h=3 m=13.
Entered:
h=5 m=54
